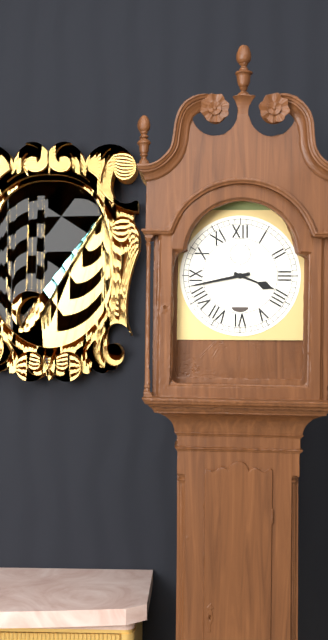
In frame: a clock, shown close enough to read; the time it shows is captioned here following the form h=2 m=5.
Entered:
h=3 m=43
